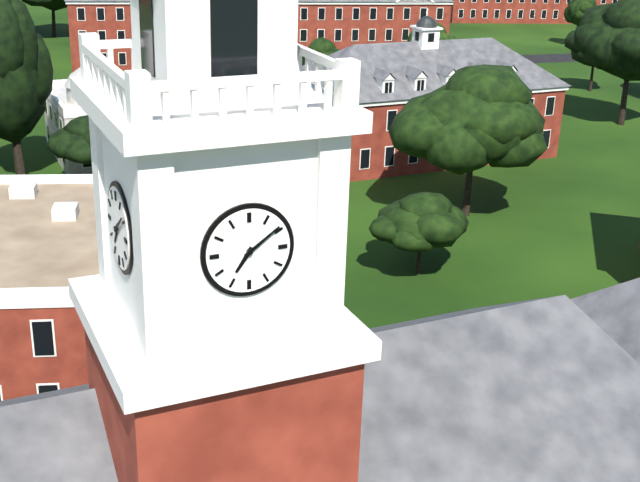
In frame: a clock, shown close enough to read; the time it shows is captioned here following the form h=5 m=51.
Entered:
h=7 m=9
